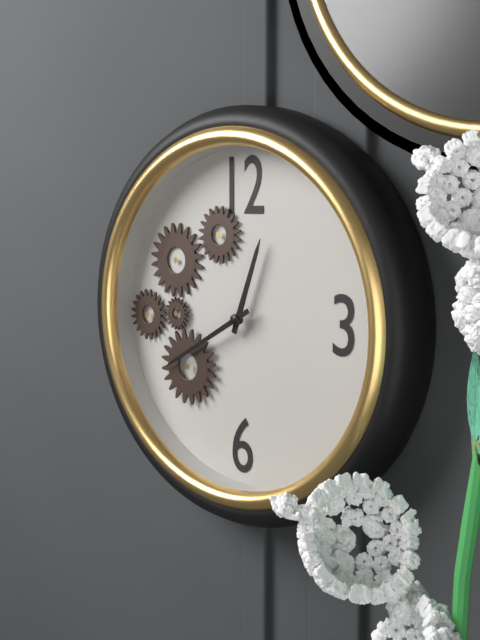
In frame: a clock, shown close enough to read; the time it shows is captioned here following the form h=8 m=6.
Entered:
h=12 m=40
